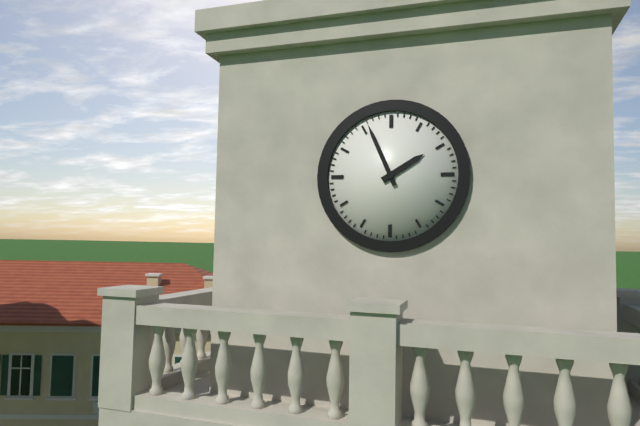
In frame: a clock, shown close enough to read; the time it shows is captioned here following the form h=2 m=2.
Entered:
h=1 m=56
